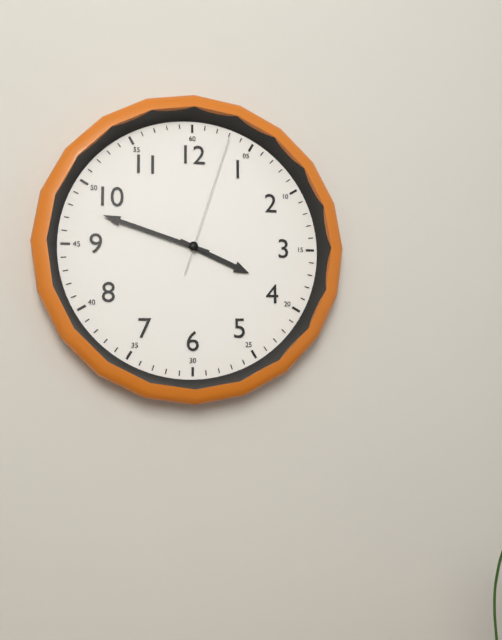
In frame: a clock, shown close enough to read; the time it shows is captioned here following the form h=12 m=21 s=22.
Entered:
h=3 m=48 s=3
